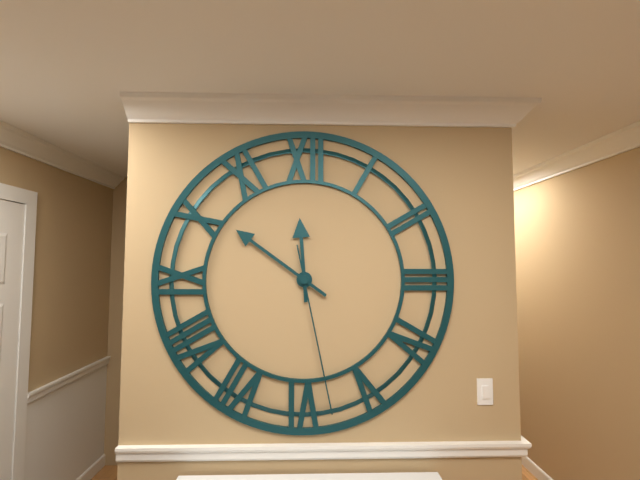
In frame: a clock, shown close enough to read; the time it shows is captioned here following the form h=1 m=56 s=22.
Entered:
h=11 m=51 s=28
